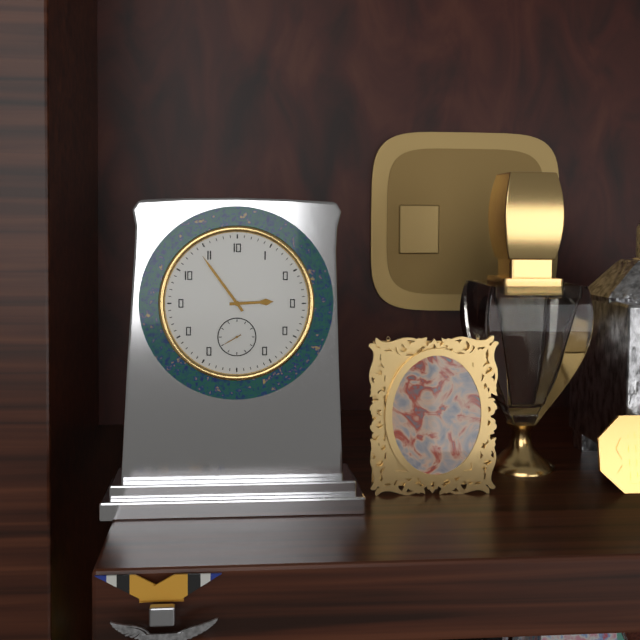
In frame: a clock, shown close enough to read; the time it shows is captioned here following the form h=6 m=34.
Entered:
h=2 m=54
